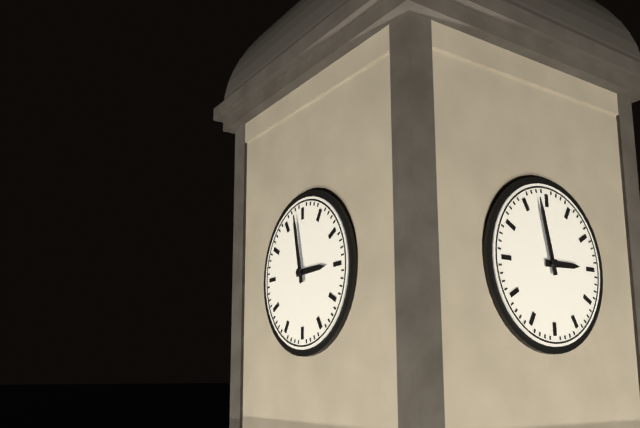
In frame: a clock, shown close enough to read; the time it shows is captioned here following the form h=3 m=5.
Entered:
h=2 m=58
